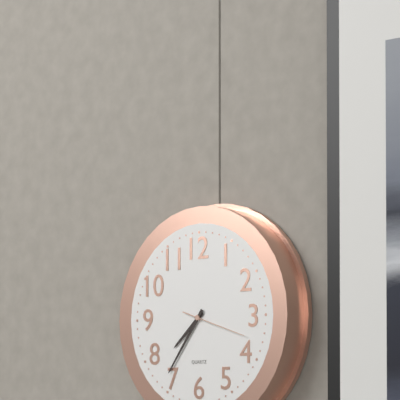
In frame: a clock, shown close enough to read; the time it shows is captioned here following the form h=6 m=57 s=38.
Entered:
h=7 m=36 s=18
